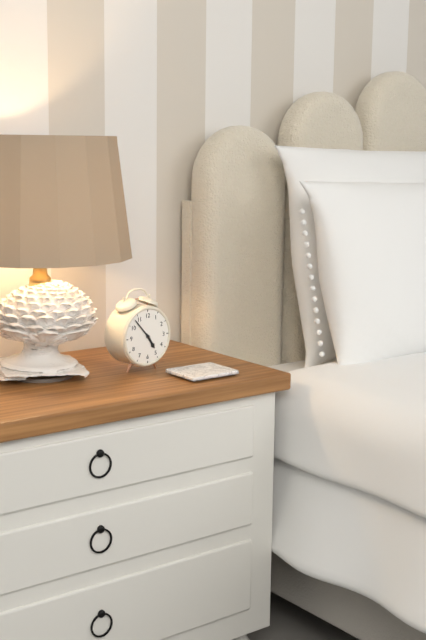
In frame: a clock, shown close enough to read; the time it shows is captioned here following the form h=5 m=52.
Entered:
h=4 m=53
